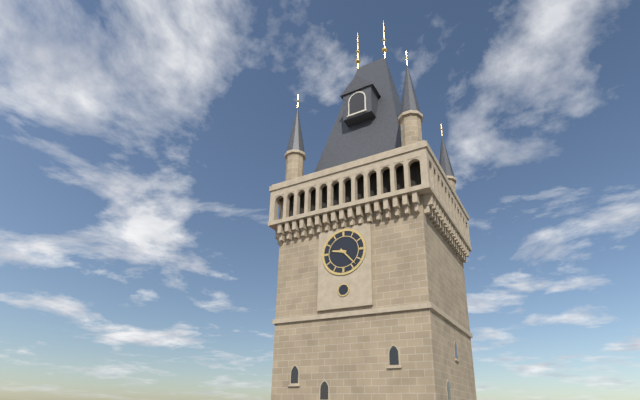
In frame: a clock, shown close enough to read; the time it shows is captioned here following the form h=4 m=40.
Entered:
h=9 m=23
